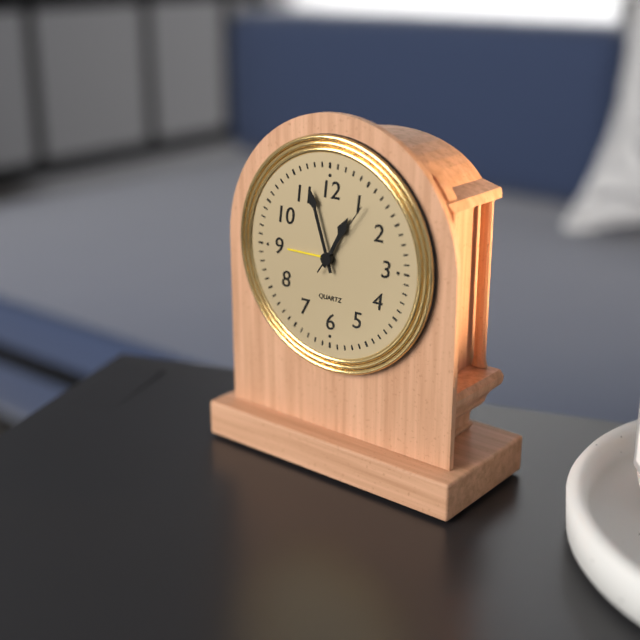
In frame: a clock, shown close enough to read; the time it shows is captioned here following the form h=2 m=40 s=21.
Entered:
h=12 m=57 s=6
